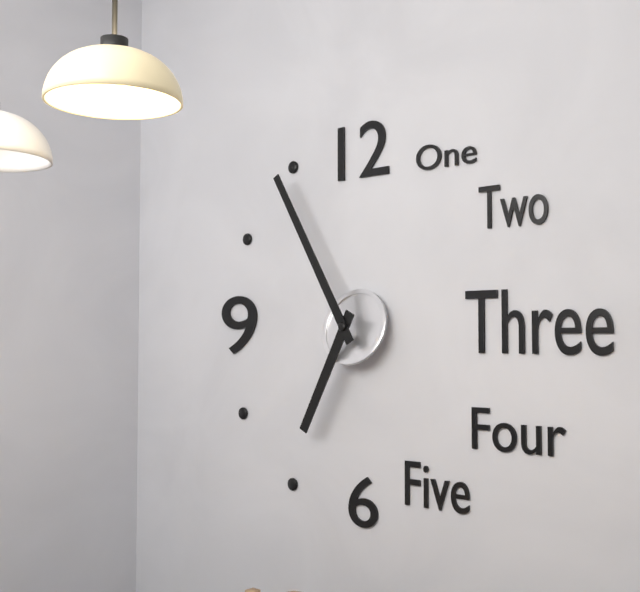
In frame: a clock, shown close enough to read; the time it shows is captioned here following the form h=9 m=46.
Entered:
h=6 m=55
